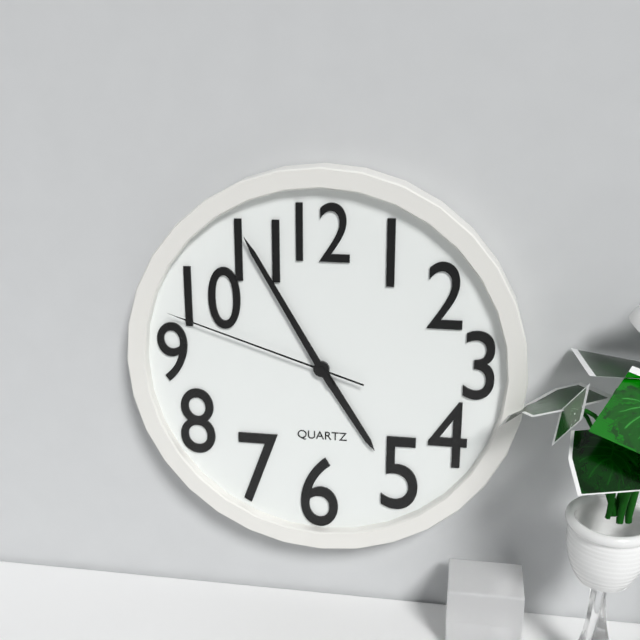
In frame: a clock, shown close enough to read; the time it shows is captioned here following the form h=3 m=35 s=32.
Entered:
h=4 m=55 s=48
